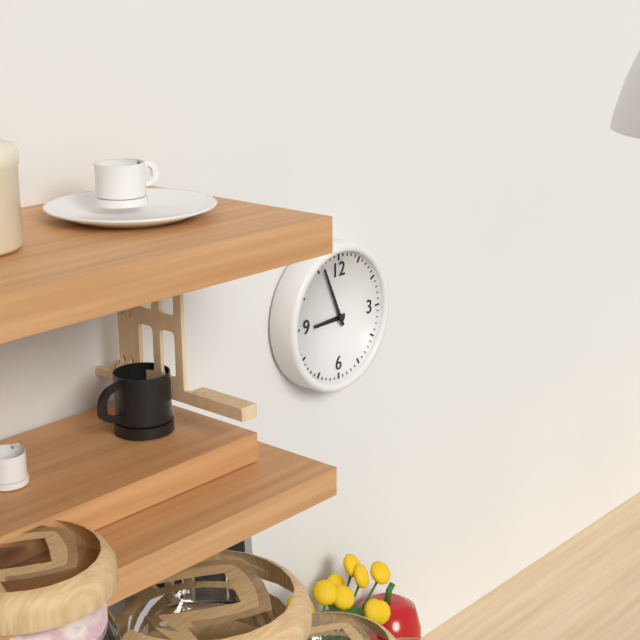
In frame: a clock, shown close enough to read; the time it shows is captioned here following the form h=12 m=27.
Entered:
h=8 m=56
